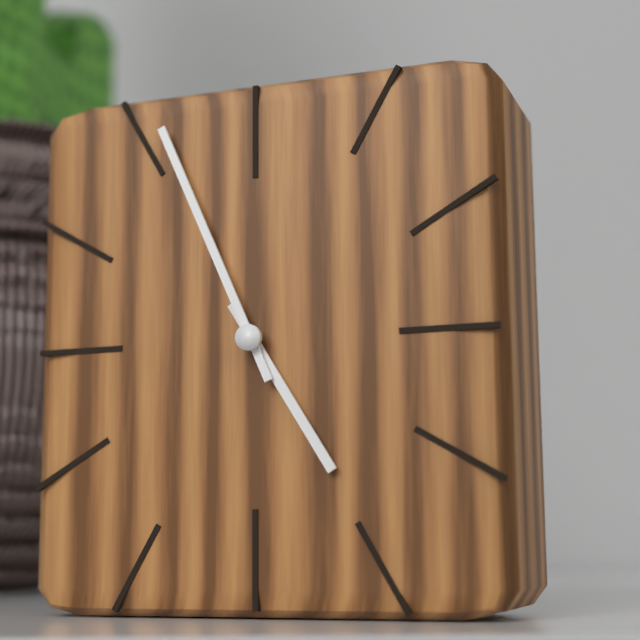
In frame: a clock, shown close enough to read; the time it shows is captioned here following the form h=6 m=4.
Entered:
h=4 m=56
